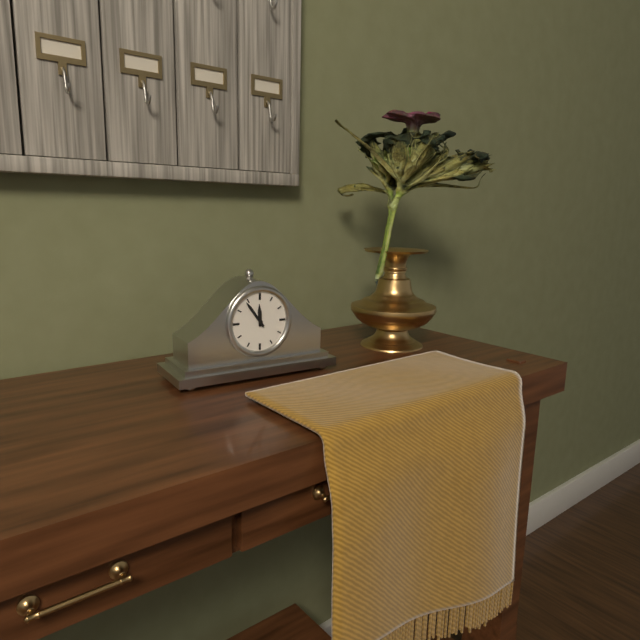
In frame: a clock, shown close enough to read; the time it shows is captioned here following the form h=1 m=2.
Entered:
h=11 m=54
